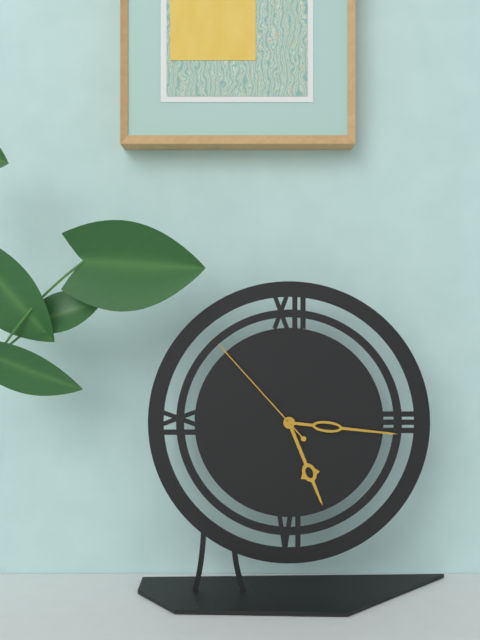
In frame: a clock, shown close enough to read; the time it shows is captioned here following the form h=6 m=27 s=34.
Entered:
h=5 m=16 s=53
